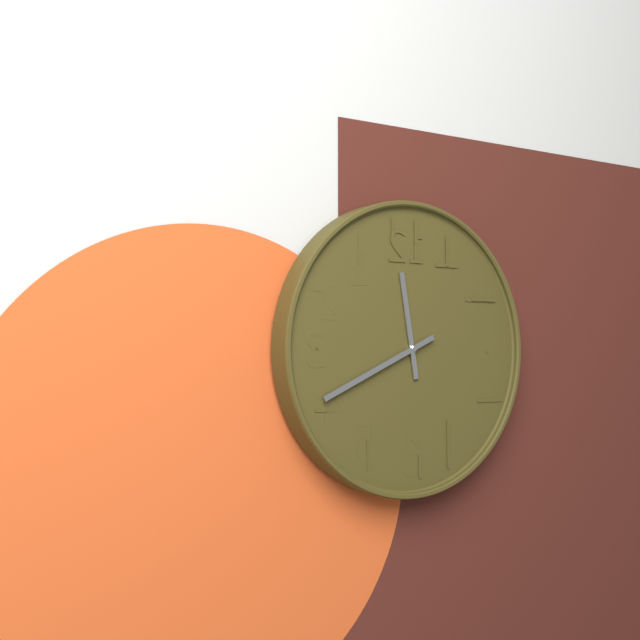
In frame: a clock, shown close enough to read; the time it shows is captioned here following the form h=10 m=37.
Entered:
h=11 m=41
